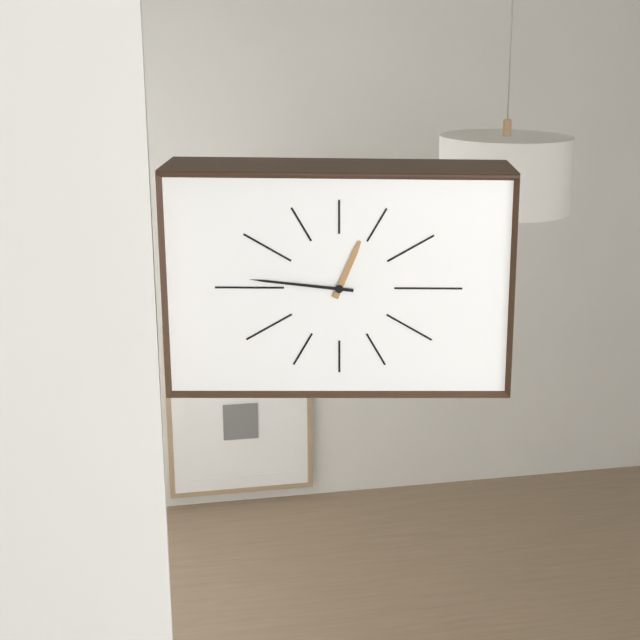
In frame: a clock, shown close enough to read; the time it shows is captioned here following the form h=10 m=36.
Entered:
h=12 m=46
